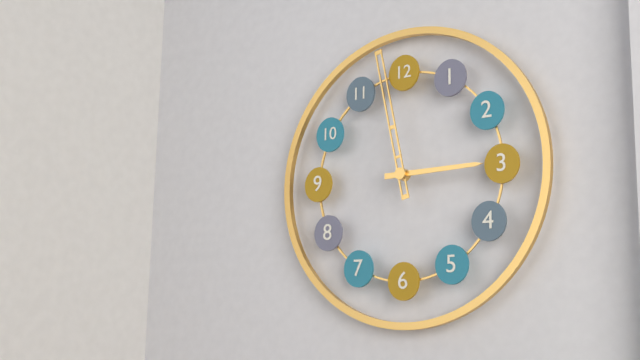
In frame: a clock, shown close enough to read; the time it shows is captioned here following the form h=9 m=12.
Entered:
h=2 m=58
